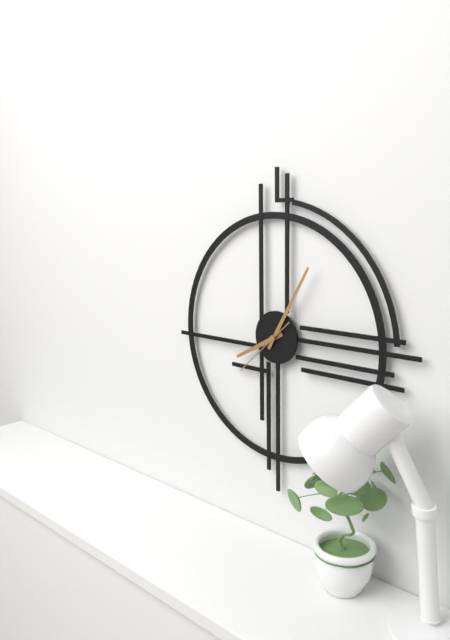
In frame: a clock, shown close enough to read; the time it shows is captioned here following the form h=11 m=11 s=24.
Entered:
h=8 m=5 s=38
